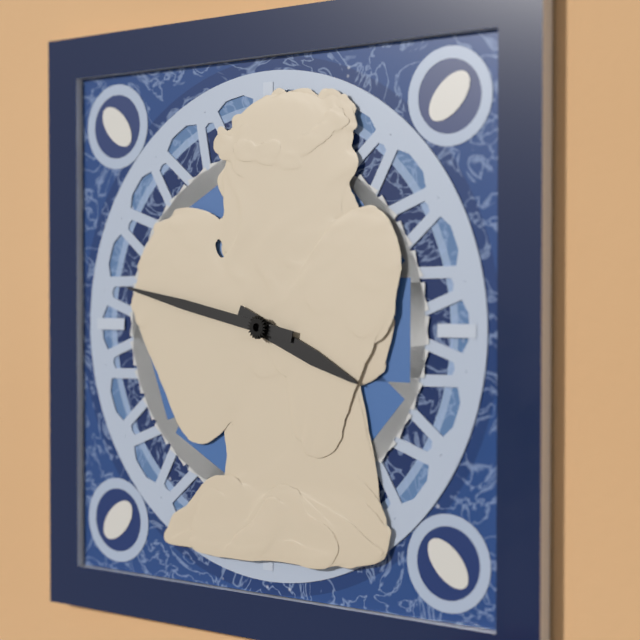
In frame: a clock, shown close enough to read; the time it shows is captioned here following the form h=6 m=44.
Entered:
h=3 m=47
